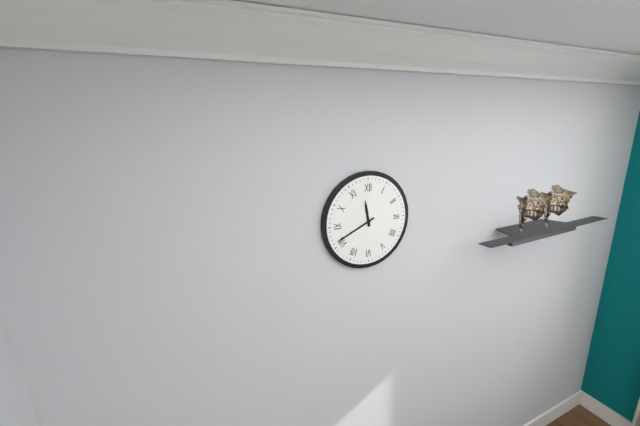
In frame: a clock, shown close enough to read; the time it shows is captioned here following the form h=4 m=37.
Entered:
h=11 m=41
